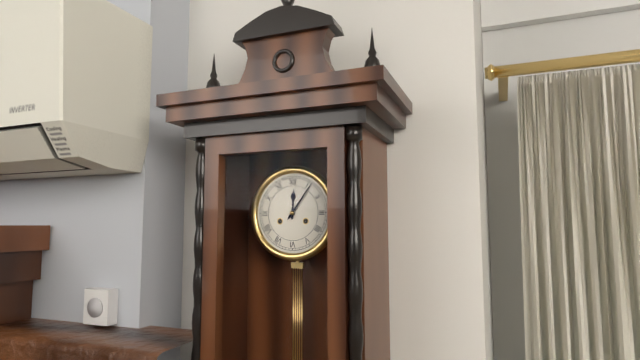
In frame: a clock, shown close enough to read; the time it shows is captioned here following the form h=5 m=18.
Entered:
h=12 m=6
